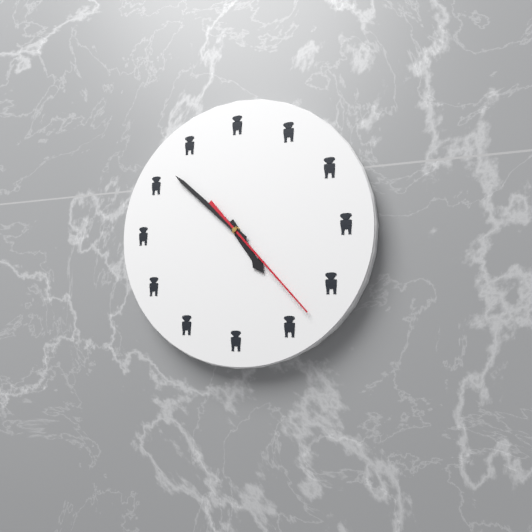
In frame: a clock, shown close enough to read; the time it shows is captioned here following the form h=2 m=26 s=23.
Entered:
h=4 m=52 s=23
